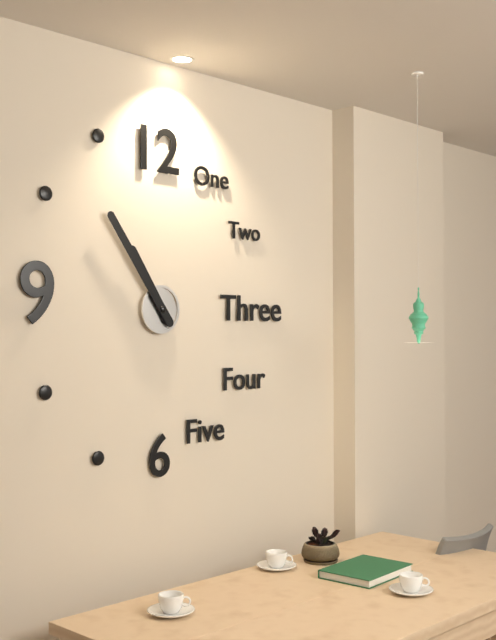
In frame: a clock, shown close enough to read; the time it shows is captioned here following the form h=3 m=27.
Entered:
h=10 m=54
